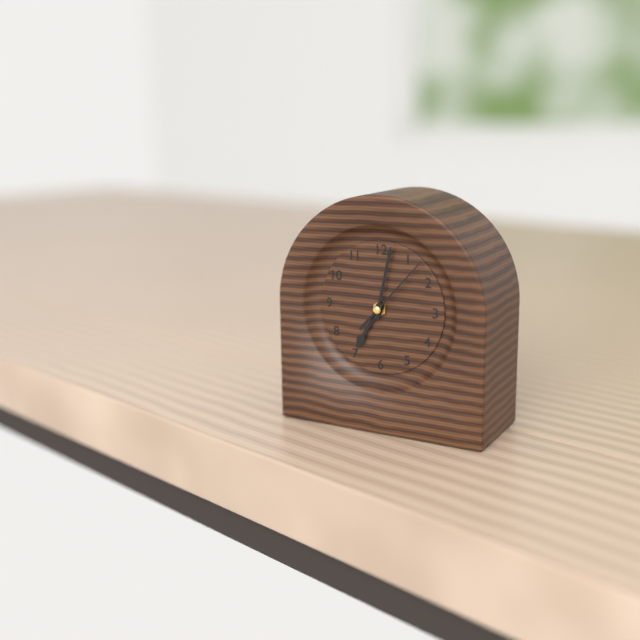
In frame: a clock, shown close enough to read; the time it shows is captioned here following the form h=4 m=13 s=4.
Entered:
h=7 m=2 s=7
